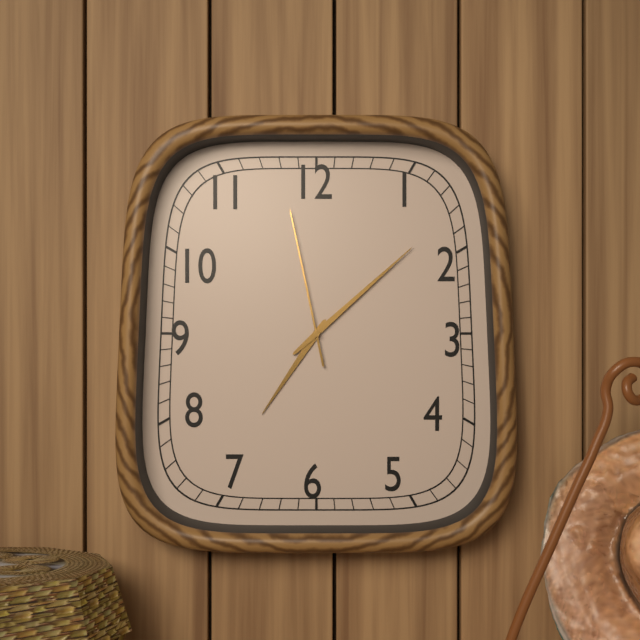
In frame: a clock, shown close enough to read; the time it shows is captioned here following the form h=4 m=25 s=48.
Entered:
h=7 m=8 s=58
